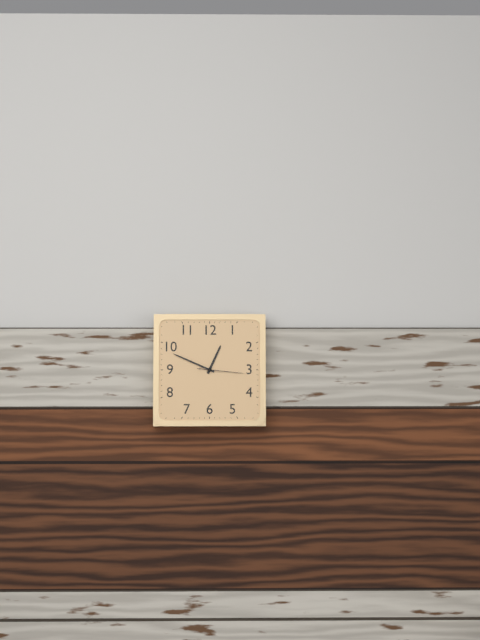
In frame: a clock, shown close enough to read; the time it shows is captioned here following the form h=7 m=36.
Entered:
h=12 m=49
